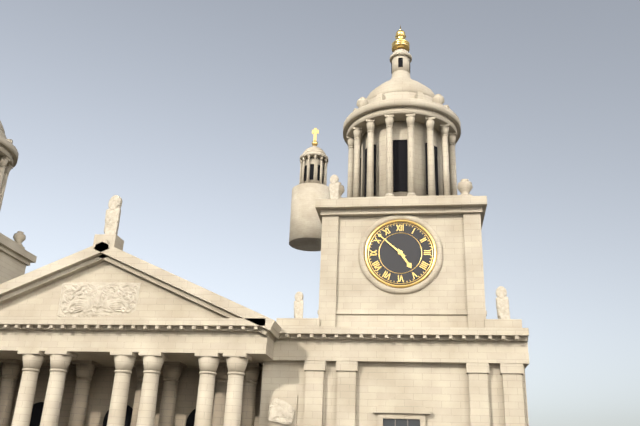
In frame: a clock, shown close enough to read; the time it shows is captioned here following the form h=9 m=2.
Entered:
h=4 m=52
